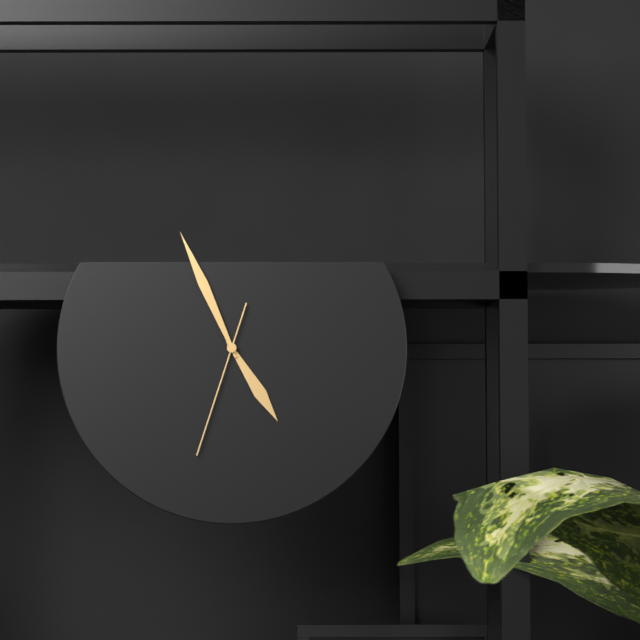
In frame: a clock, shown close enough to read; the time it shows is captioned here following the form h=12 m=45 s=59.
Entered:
h=4 m=56 s=33
